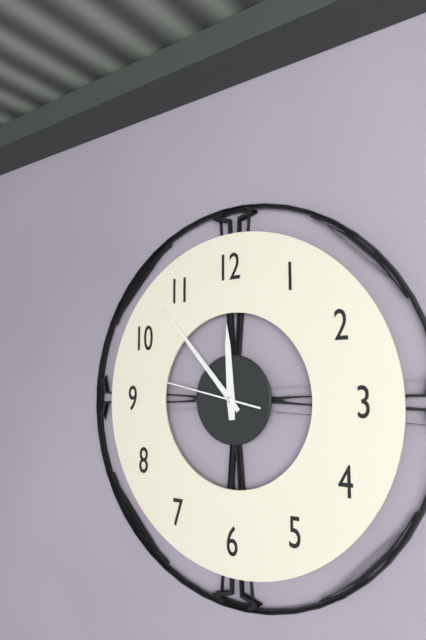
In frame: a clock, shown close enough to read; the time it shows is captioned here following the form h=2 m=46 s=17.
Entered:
h=11 m=53 s=47
